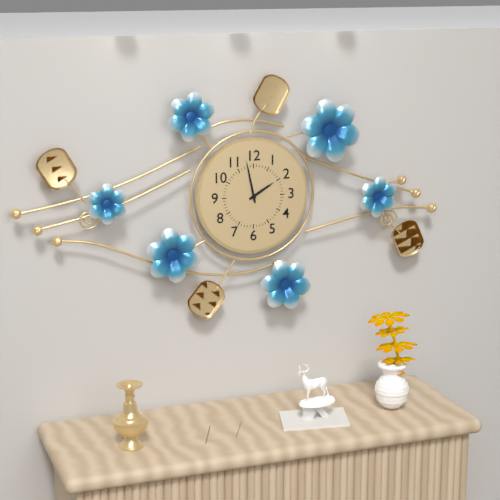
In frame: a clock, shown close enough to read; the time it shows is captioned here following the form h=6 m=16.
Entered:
h=1 m=58
